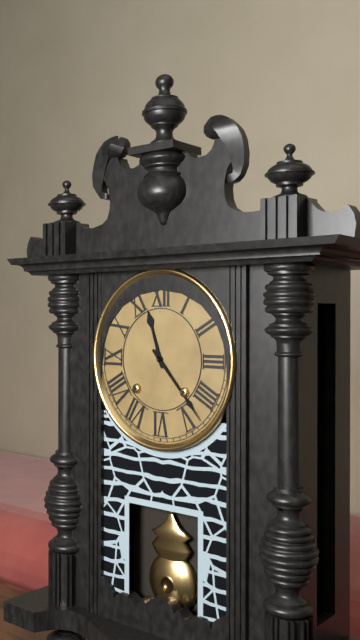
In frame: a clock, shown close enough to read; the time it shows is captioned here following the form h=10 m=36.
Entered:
h=11 m=23
